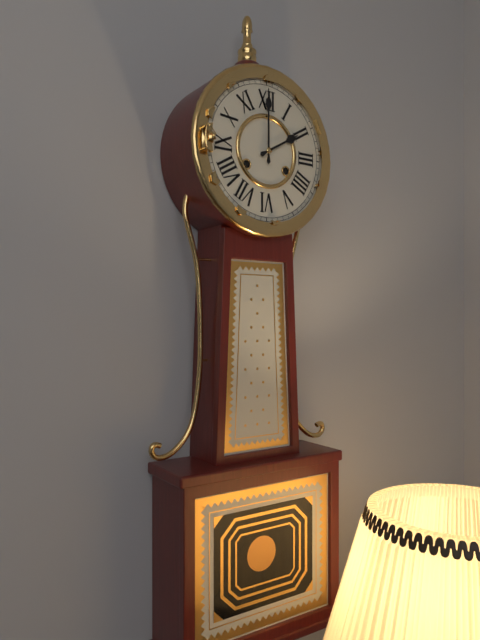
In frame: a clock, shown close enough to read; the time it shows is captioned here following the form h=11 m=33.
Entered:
h=2 m=0
